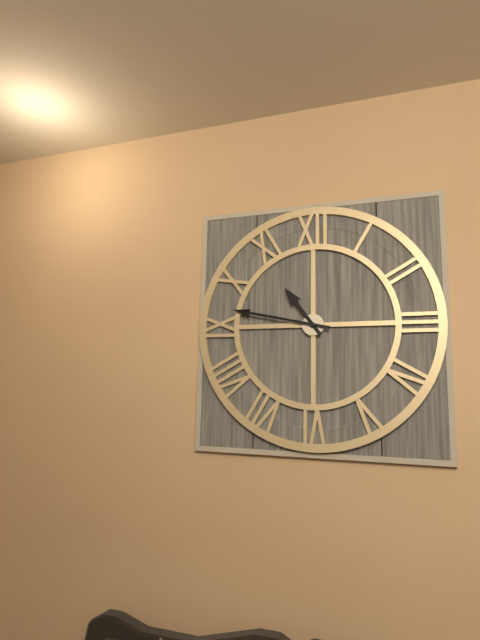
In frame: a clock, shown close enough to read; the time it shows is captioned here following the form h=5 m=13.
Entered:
h=10 m=47
